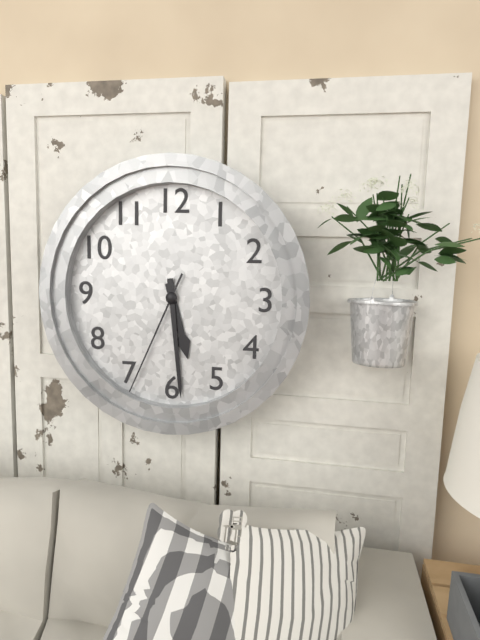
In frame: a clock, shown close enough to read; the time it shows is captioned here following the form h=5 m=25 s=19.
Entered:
h=5 m=29 s=34
